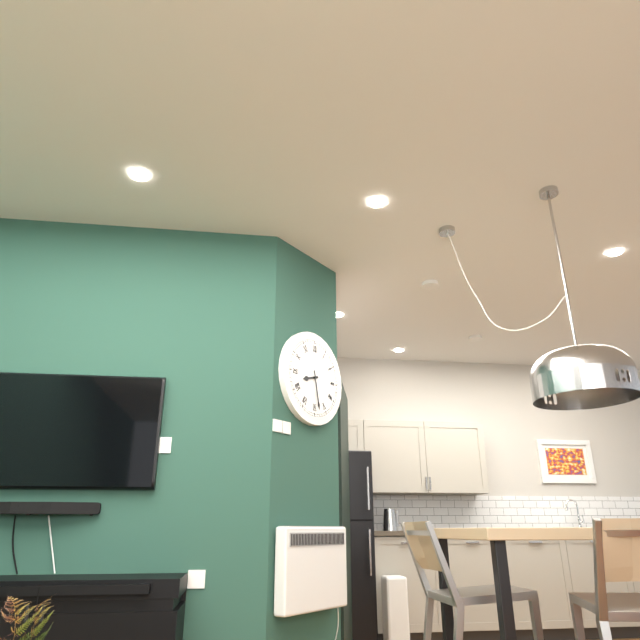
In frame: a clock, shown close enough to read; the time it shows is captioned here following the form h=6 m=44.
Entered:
h=8 m=28
